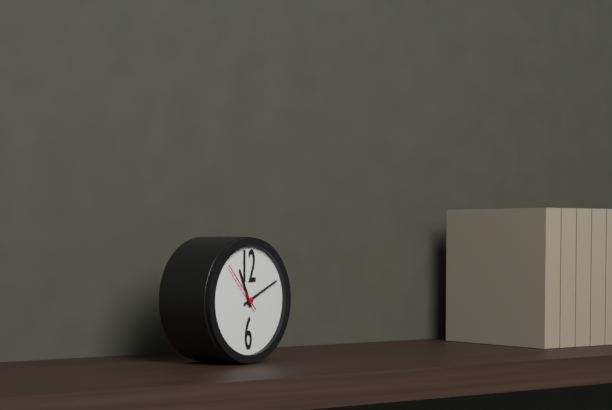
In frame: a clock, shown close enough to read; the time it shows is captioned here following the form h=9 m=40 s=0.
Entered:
h=11 m=11 s=53
